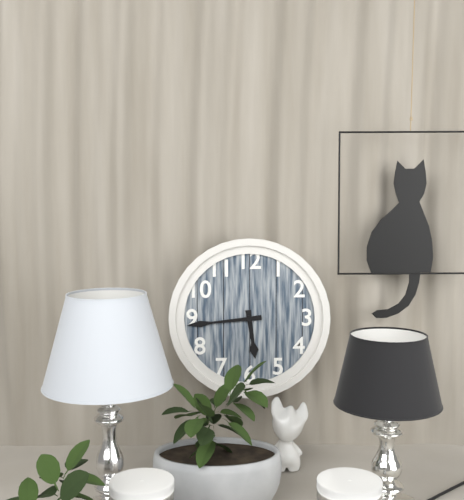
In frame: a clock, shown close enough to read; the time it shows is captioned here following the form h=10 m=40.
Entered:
h=5 m=44
